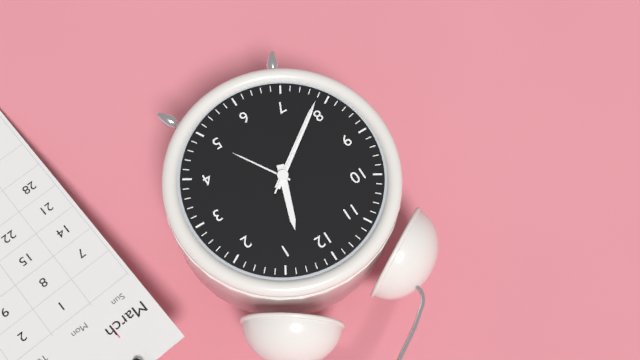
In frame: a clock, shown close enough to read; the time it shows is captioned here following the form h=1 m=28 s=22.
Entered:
h=12 m=39 s=39
